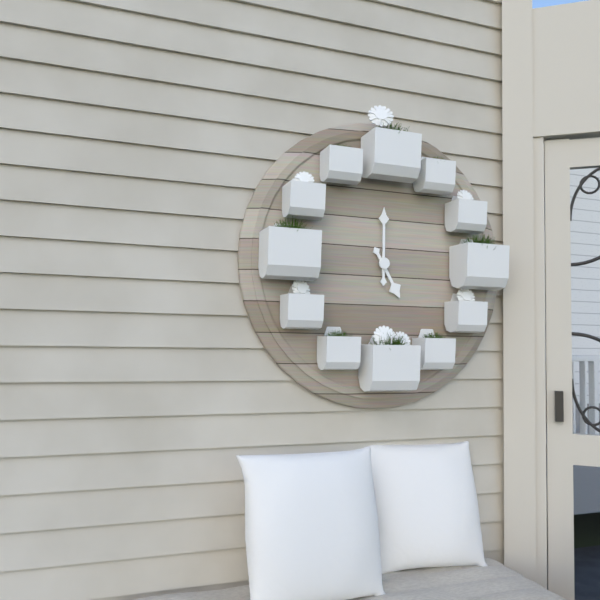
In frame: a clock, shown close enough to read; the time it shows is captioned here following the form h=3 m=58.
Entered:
h=5 m=0
